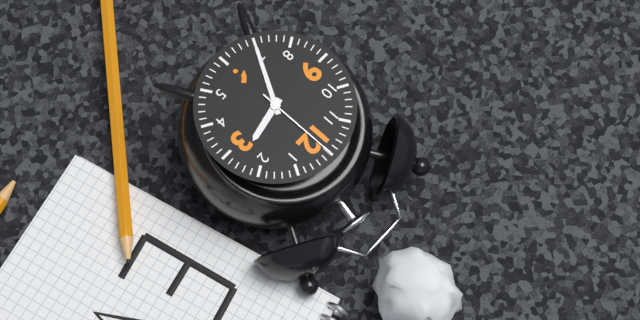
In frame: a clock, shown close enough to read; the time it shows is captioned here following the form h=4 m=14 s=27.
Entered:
h=2 m=35 s=0
